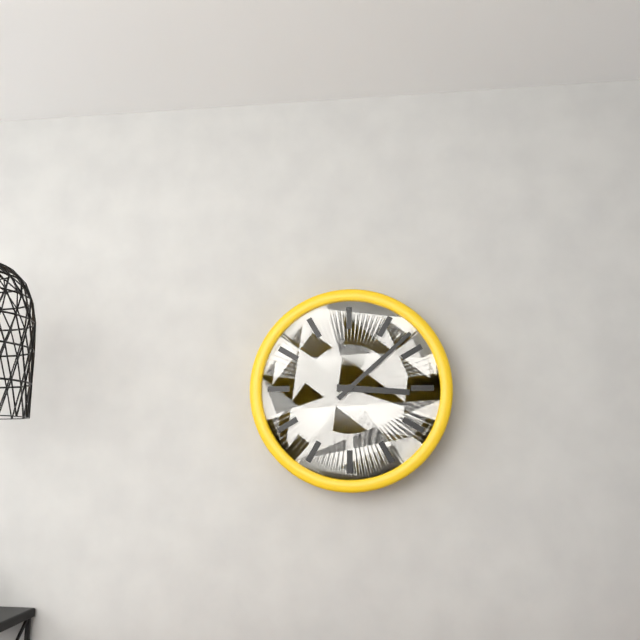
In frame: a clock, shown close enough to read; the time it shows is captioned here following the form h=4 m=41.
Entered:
h=3 m=8
